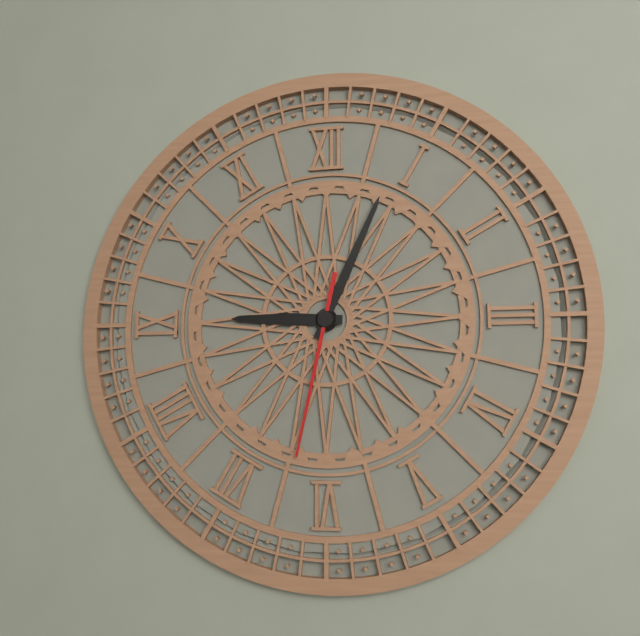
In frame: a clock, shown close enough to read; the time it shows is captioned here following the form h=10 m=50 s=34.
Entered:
h=9 m=4 s=32
